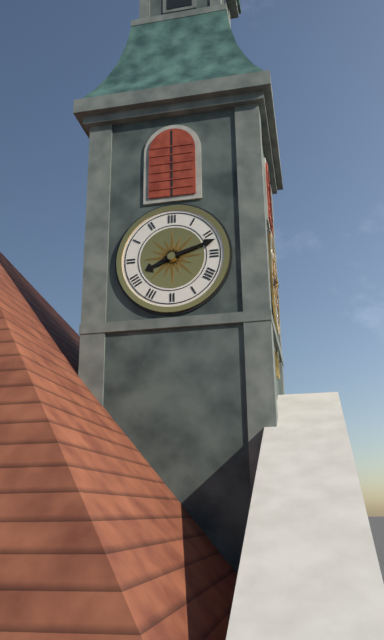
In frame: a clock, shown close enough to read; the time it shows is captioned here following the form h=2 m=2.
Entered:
h=8 m=12
